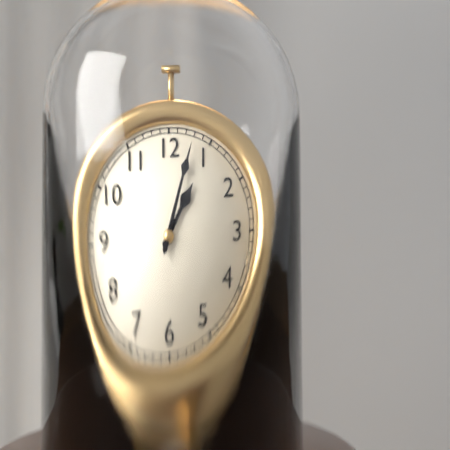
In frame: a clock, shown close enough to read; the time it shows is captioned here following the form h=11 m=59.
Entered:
h=1 m=3
